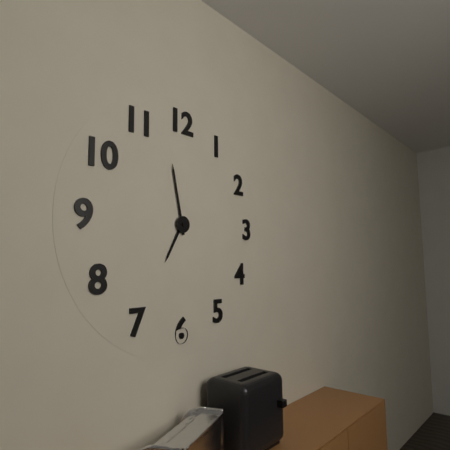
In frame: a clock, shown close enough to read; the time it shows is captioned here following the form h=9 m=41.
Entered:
h=6 m=58
